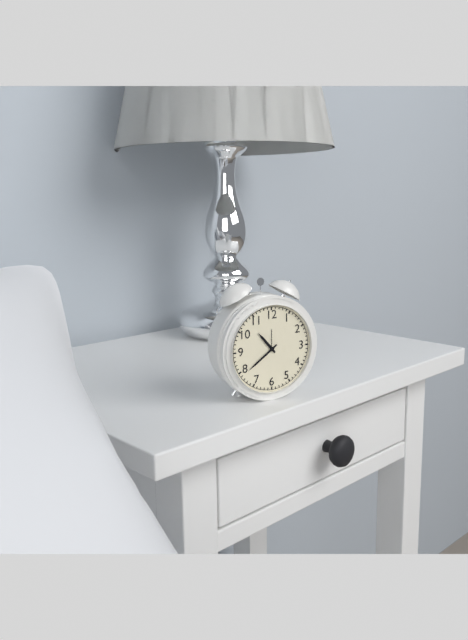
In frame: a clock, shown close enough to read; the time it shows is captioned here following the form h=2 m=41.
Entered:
h=10 m=39
